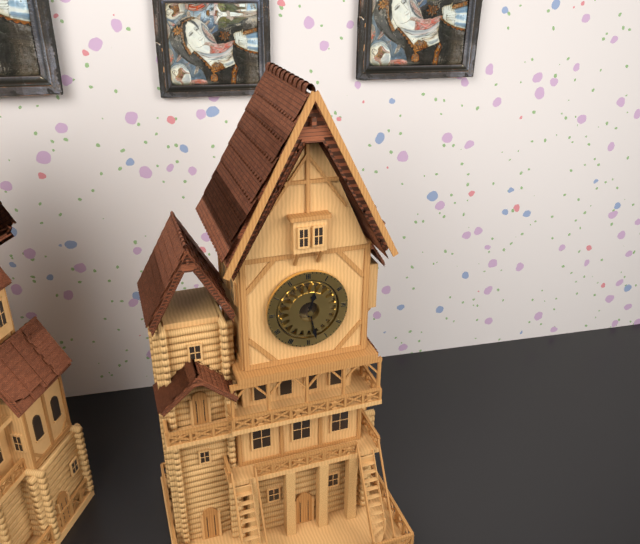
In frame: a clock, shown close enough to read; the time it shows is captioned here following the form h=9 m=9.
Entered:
h=12 m=28
